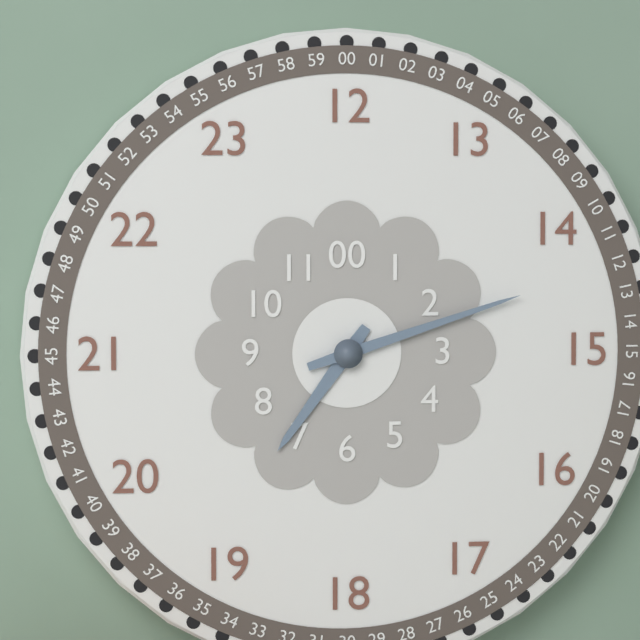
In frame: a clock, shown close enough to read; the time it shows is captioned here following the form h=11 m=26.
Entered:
h=7 m=12
